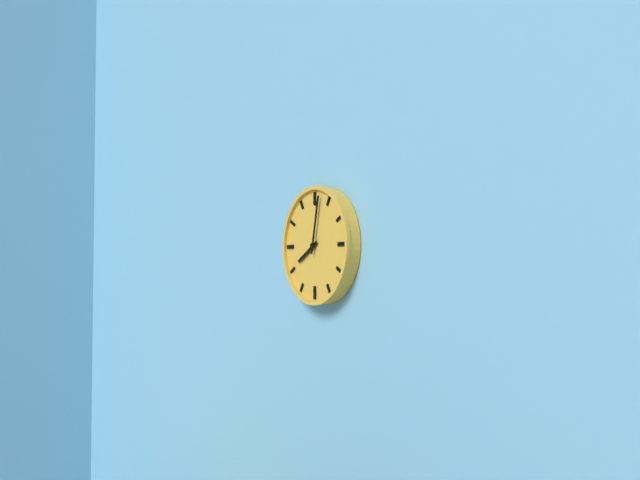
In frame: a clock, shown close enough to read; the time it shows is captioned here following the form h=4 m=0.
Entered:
h=8 m=2
